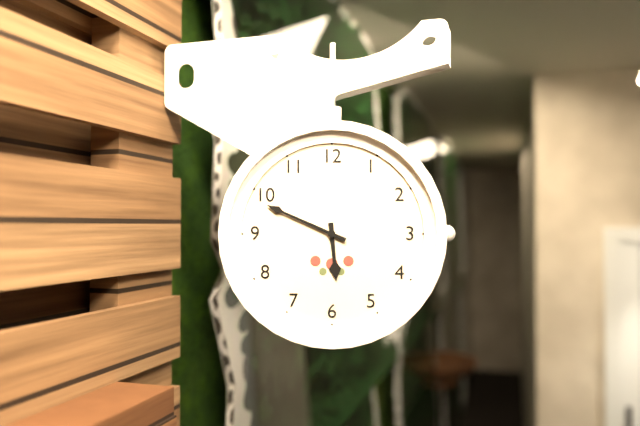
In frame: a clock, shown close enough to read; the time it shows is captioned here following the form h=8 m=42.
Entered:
h=5 m=49
